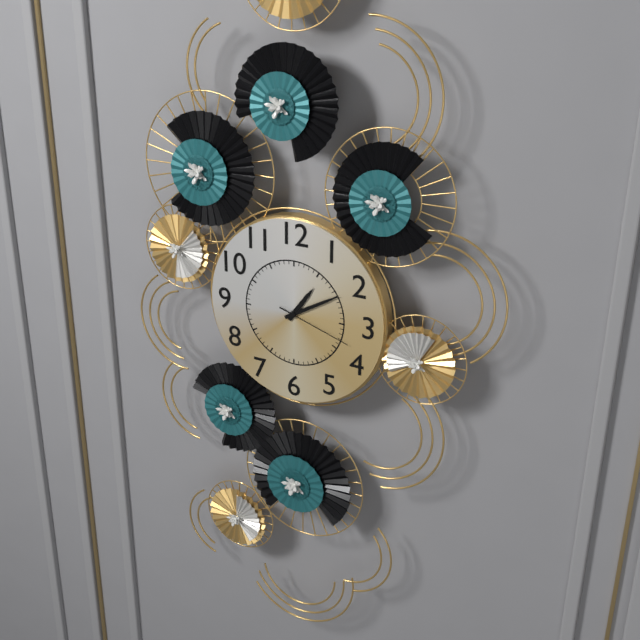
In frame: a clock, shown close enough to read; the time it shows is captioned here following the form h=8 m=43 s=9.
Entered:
h=1 m=10 s=18
